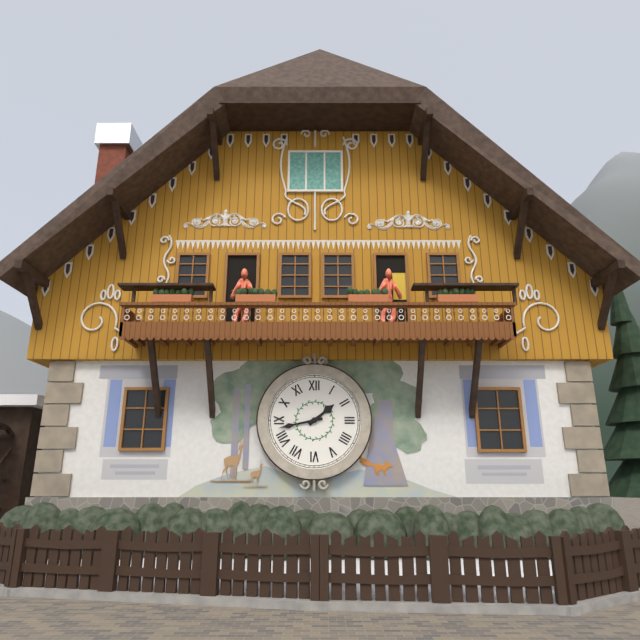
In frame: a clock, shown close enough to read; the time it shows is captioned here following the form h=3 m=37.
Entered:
h=1 m=43
